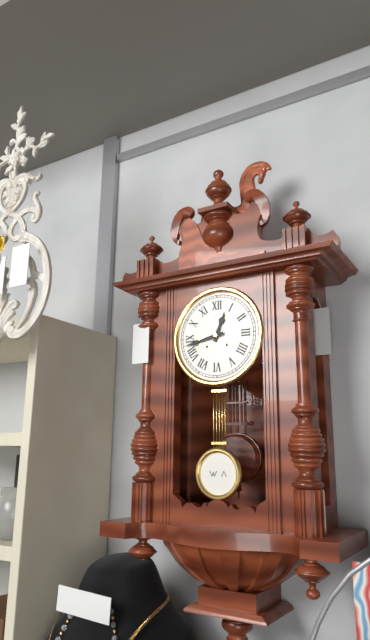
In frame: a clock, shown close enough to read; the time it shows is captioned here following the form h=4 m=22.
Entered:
h=12 m=43
